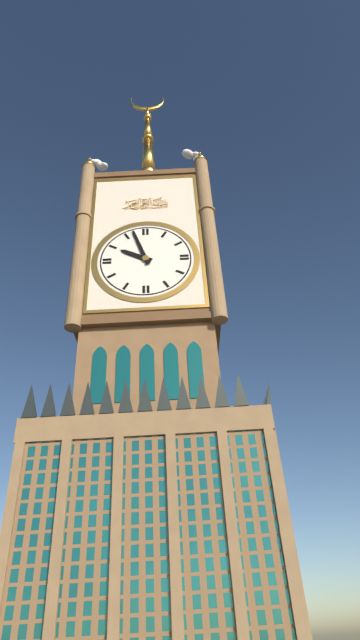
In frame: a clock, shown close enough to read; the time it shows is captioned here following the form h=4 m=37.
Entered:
h=9 m=57
